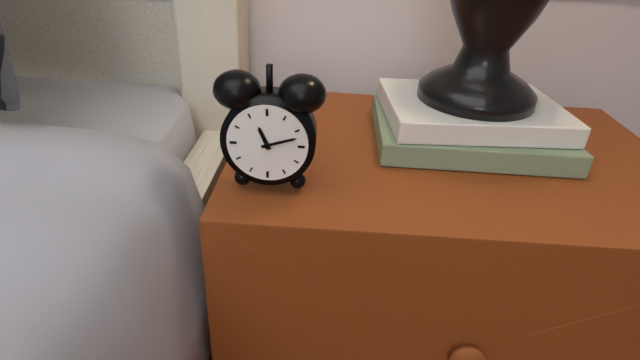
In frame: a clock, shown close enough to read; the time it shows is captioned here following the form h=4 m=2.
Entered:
h=11 m=12
